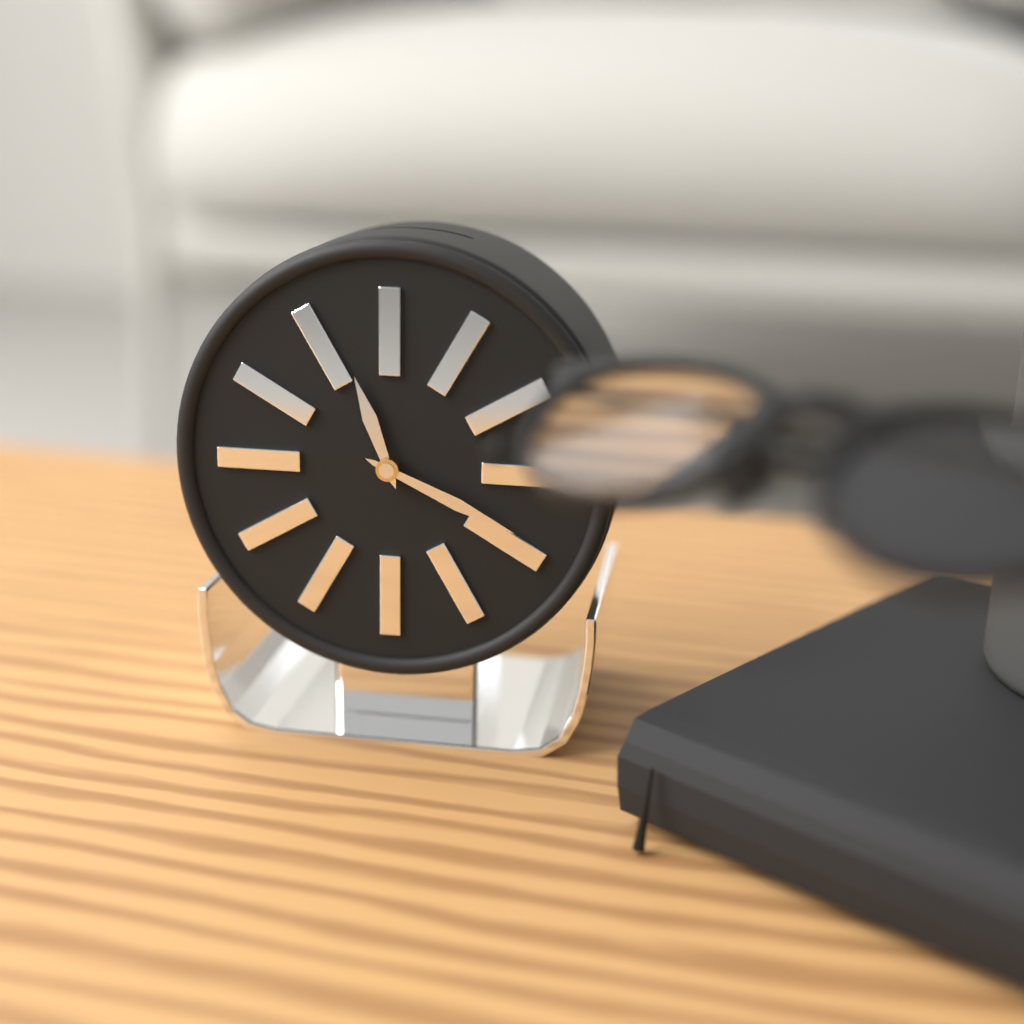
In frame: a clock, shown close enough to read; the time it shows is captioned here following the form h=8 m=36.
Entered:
h=11 m=19
